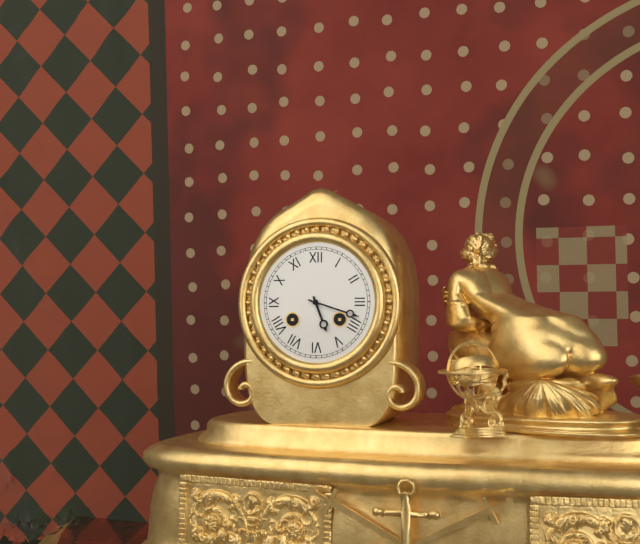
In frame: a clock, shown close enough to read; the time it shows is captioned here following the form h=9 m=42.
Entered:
h=5 m=18
